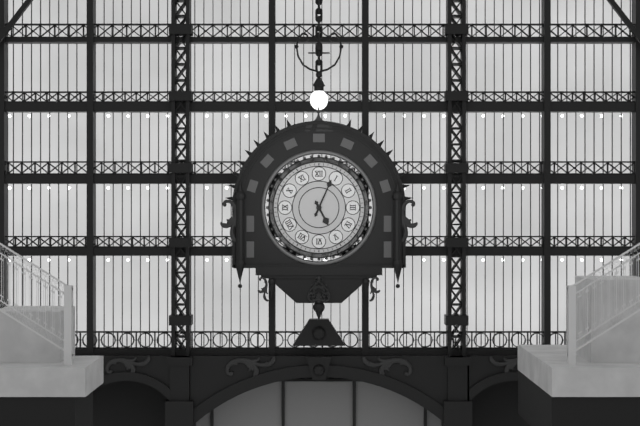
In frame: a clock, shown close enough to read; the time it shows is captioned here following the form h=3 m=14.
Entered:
h=5 m=4
